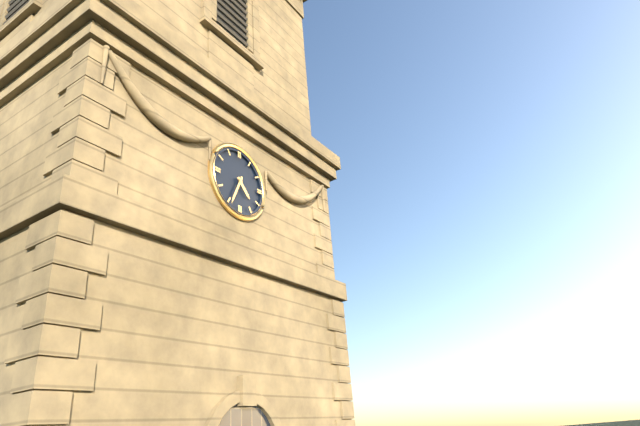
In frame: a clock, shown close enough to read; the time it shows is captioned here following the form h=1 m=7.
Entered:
h=4 m=34
